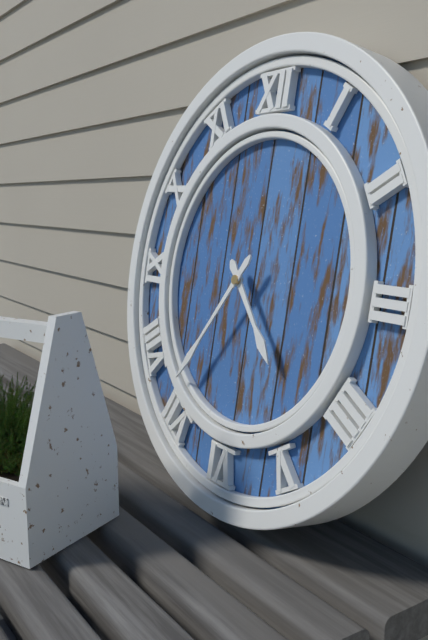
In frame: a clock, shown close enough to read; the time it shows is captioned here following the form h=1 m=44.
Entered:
h=4 m=36
